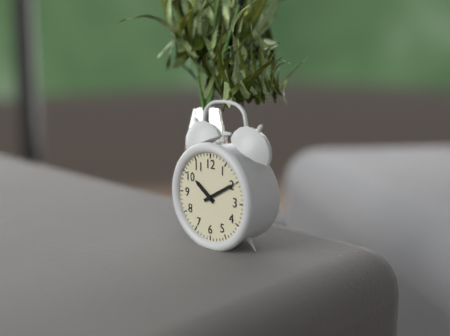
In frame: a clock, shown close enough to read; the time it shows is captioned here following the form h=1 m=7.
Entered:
h=10 m=10
